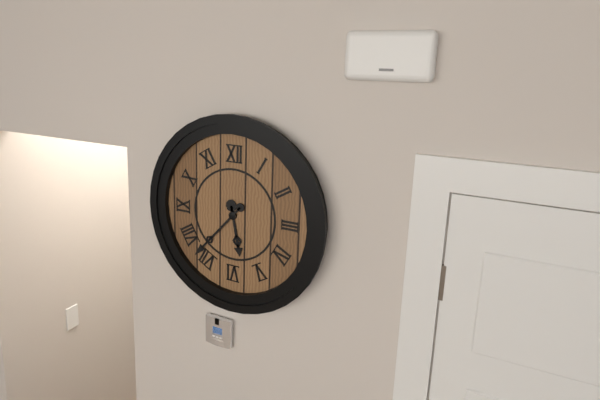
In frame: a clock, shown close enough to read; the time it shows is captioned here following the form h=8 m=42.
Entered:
h=5 m=37
